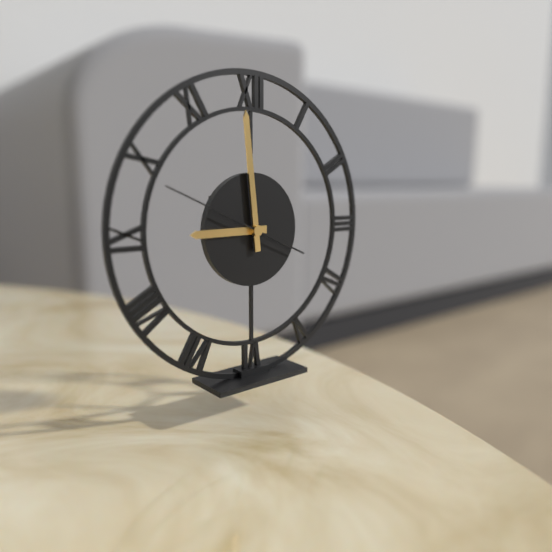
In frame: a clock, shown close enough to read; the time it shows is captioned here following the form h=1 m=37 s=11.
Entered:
h=8 m=59 s=49
